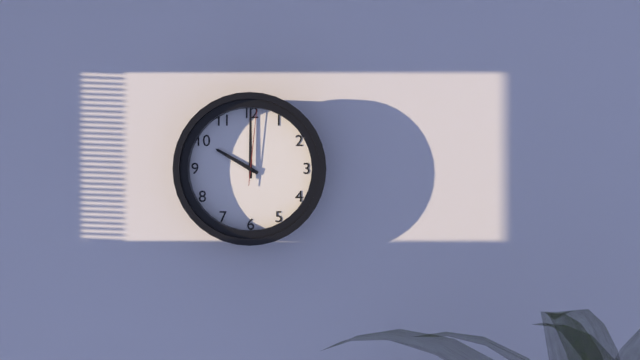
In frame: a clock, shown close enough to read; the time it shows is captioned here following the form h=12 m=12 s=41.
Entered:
h=10 m=0 s=1
